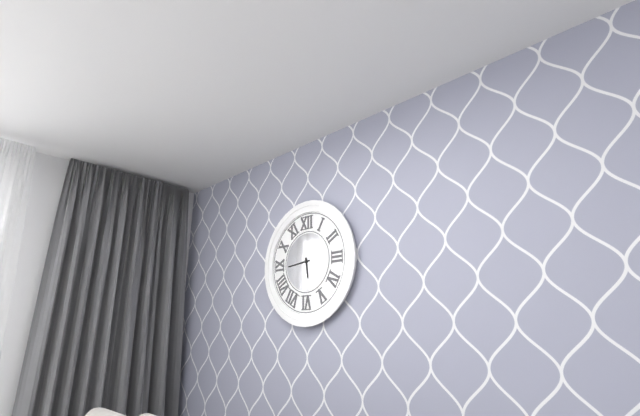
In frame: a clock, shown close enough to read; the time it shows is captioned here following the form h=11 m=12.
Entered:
h=5 m=44
